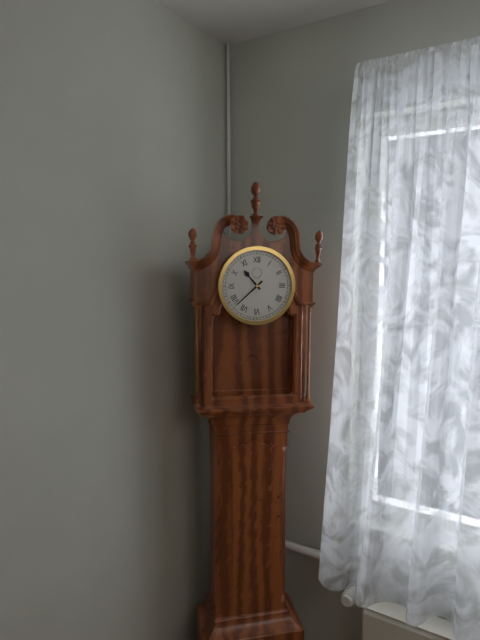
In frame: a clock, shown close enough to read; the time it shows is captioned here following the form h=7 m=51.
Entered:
h=10 m=38
